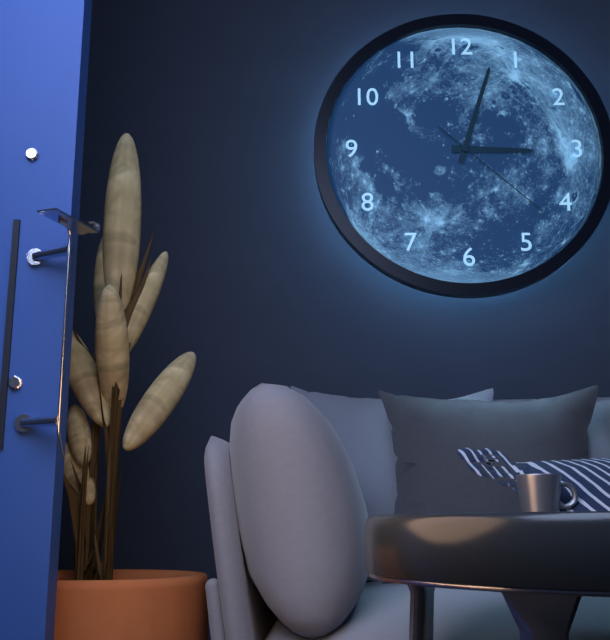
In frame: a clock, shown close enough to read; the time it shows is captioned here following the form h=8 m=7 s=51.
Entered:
h=3 m=3 s=22
